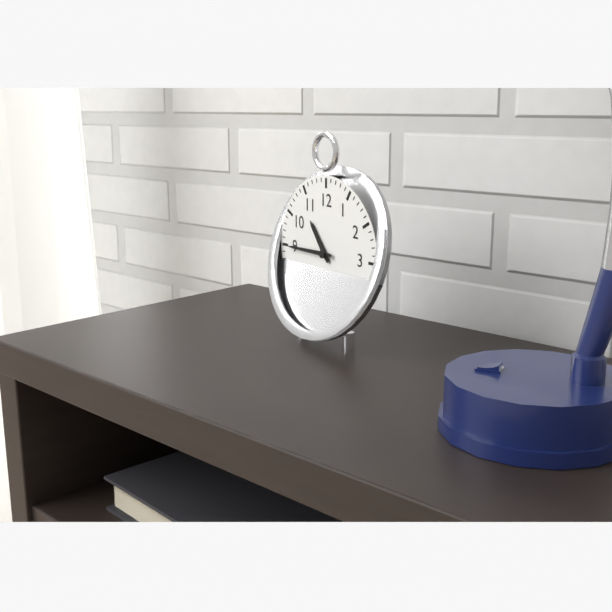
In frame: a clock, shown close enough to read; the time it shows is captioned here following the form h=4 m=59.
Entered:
h=10 m=45
